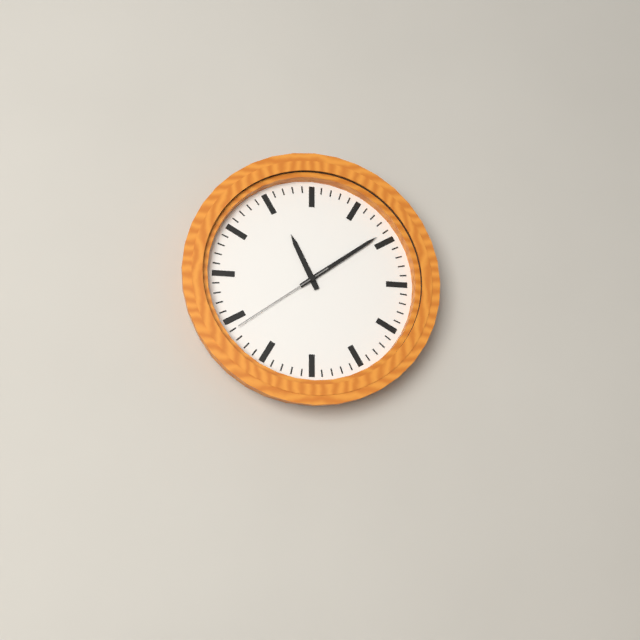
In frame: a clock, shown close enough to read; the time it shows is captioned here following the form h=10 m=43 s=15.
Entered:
h=11 m=9 s=39
